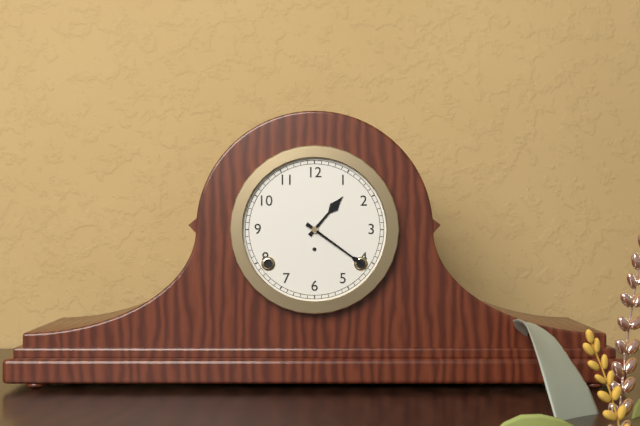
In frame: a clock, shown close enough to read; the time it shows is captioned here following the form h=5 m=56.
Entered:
h=1 m=21
